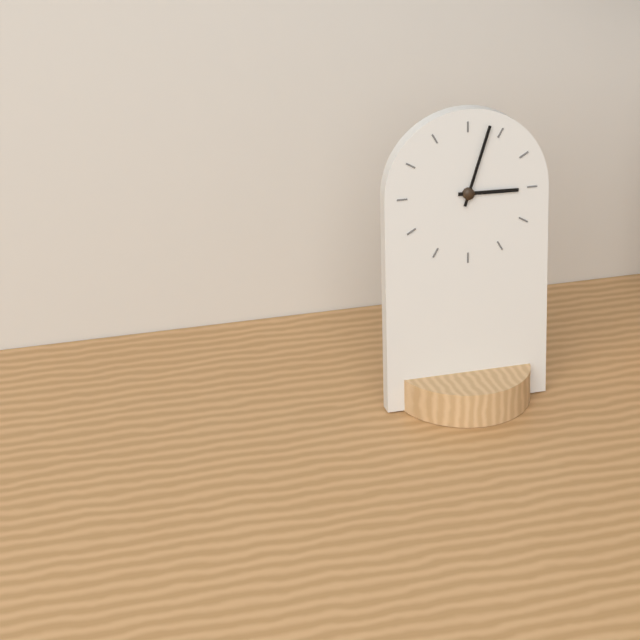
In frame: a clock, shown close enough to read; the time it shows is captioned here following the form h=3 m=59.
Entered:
h=3 m=3
